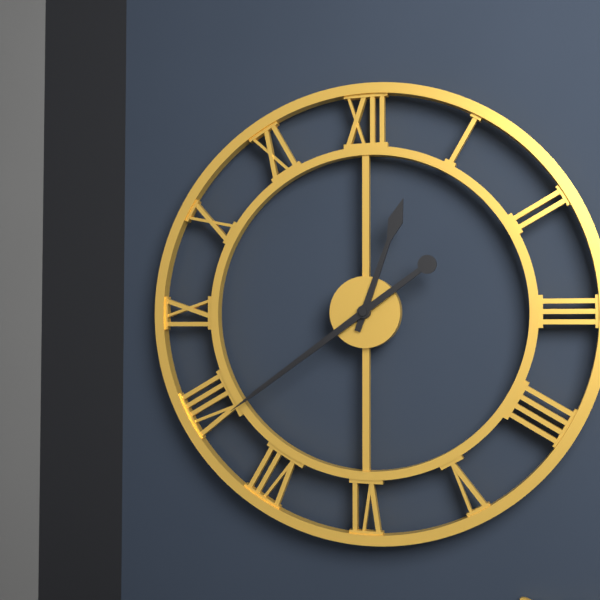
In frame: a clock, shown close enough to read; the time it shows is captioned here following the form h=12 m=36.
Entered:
h=12 m=39
